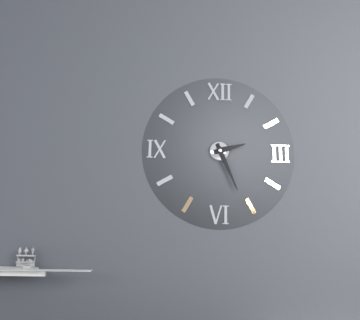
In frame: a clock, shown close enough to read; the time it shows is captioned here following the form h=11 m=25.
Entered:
h=2 m=26
